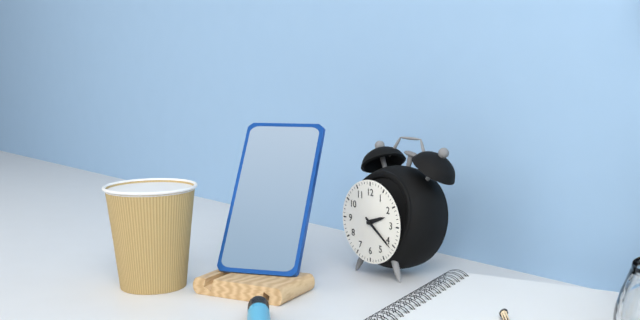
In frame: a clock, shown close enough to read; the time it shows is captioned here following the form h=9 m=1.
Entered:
h=2 m=21
